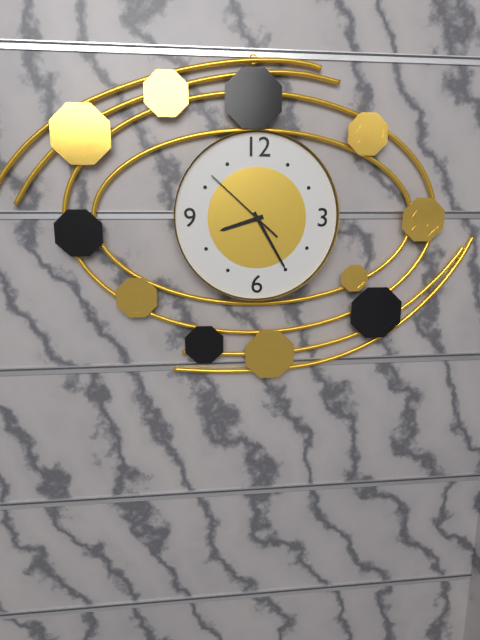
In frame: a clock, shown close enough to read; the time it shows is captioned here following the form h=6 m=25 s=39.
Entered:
h=8 m=25 s=52
